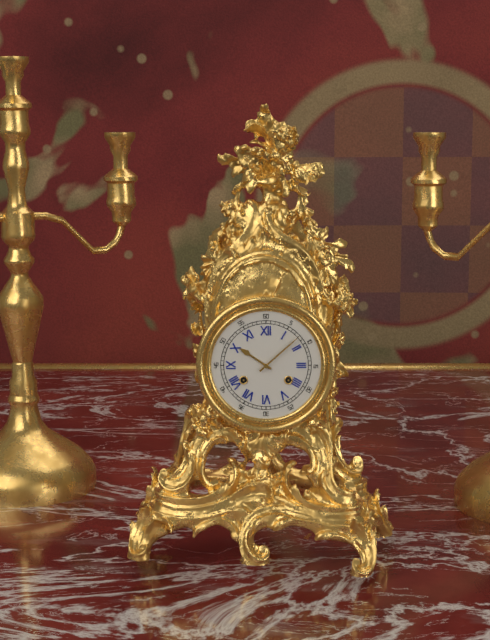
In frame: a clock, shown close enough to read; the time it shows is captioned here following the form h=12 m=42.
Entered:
h=10 m=8
